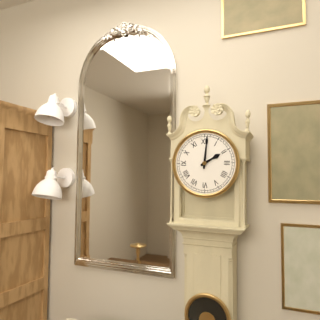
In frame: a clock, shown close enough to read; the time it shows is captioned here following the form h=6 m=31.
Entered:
h=2 m=1
